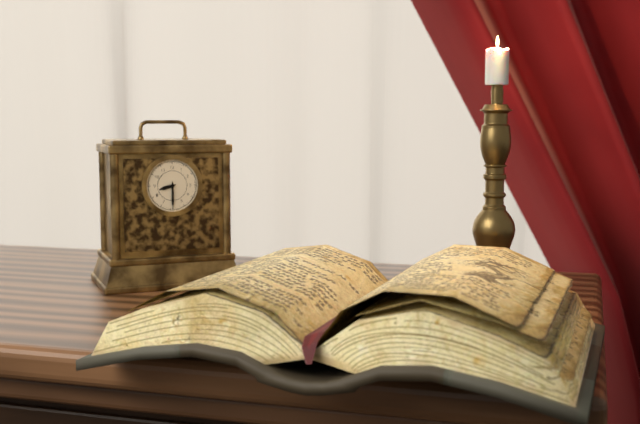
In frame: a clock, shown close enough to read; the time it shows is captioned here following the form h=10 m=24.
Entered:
h=8 m=30
